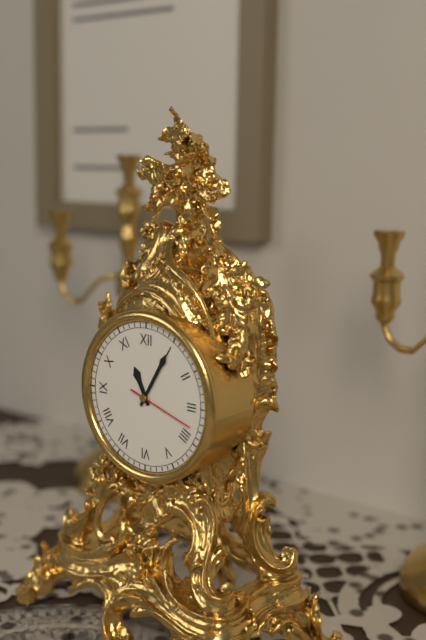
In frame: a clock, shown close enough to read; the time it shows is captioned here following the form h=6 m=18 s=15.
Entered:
h=11 m=5 s=18
